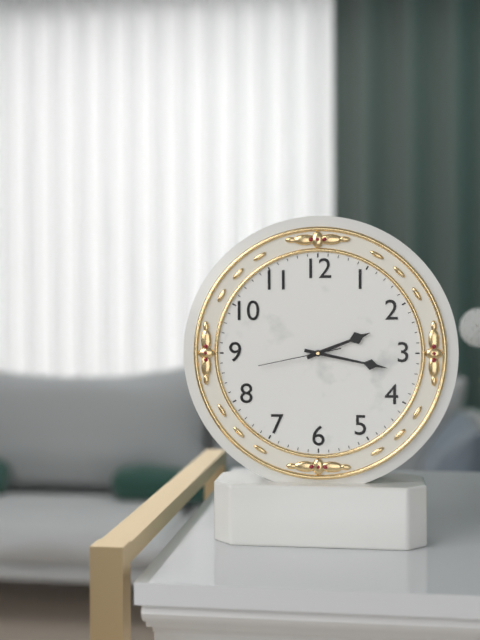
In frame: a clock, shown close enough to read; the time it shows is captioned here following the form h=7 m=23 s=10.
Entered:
h=2 m=17 s=43
